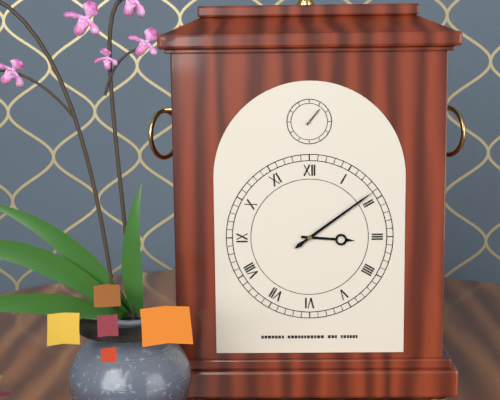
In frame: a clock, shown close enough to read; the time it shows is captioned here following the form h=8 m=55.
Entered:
h=3 m=9
